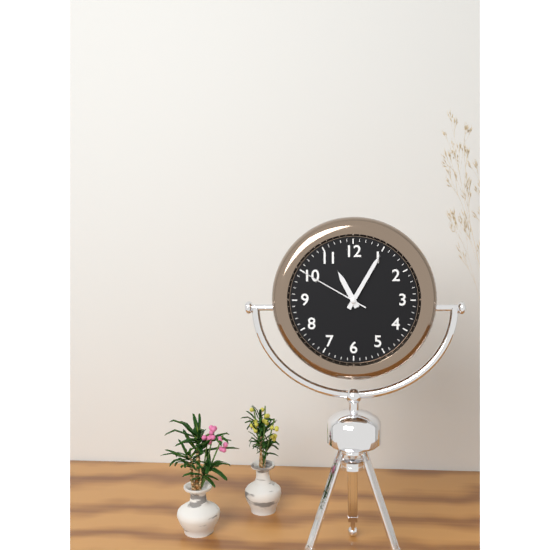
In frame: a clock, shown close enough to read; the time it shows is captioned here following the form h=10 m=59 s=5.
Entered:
h=11 m=5 s=50
